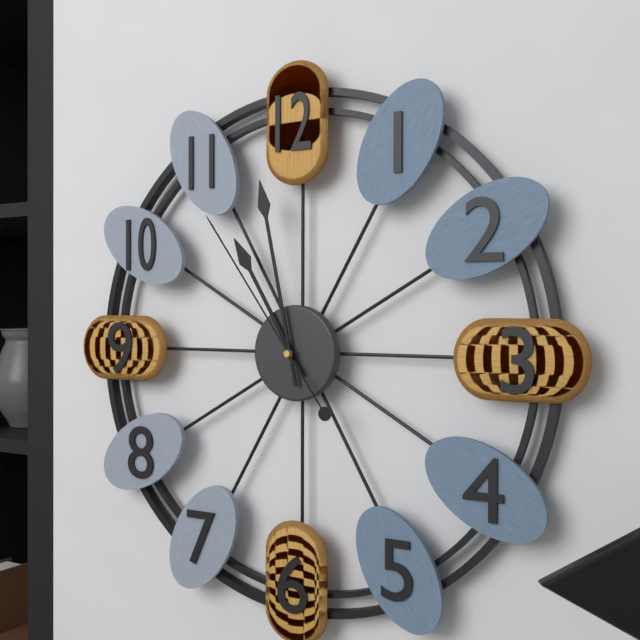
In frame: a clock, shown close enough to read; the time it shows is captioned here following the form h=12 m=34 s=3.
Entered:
h=10 m=58 s=54
